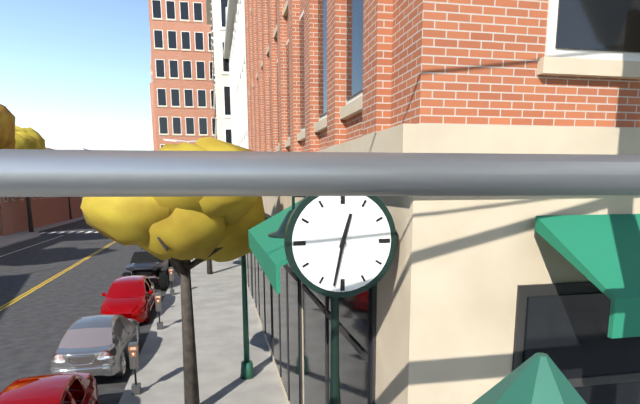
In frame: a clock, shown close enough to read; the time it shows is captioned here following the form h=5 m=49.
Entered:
h=12 m=32
